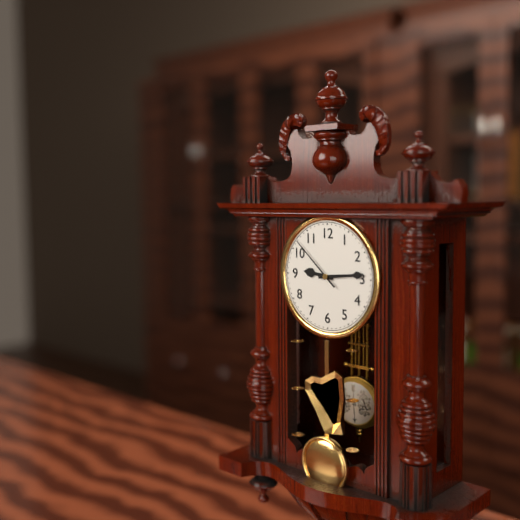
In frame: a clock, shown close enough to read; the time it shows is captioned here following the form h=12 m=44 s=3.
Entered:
h=9 m=14 s=52
